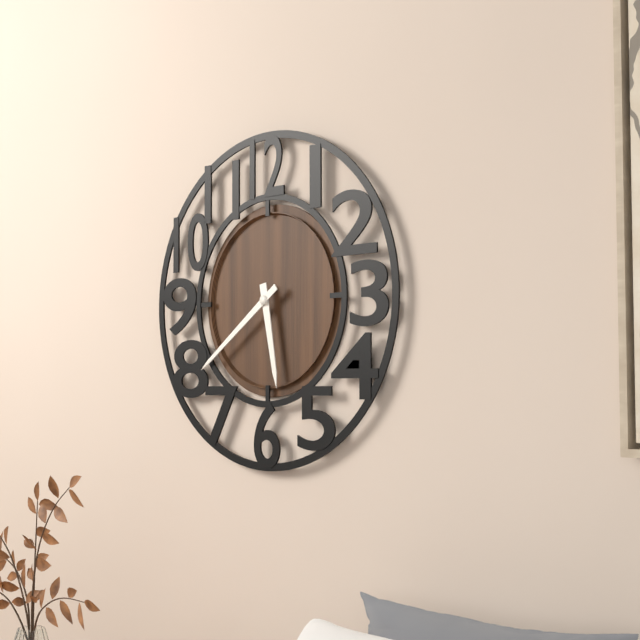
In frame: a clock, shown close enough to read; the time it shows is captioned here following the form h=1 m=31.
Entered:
h=5 m=39
